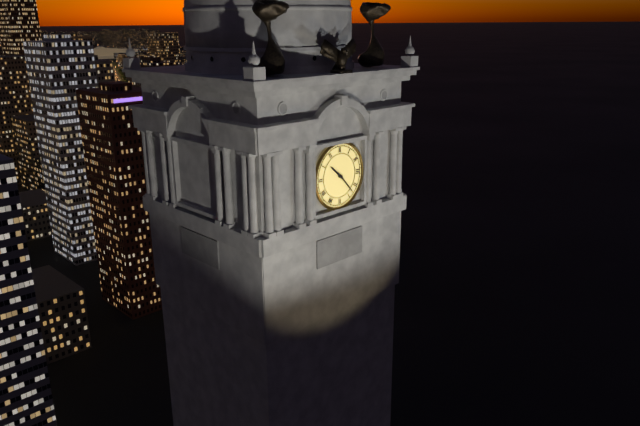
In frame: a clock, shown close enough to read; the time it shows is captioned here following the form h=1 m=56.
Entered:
h=10 m=23
